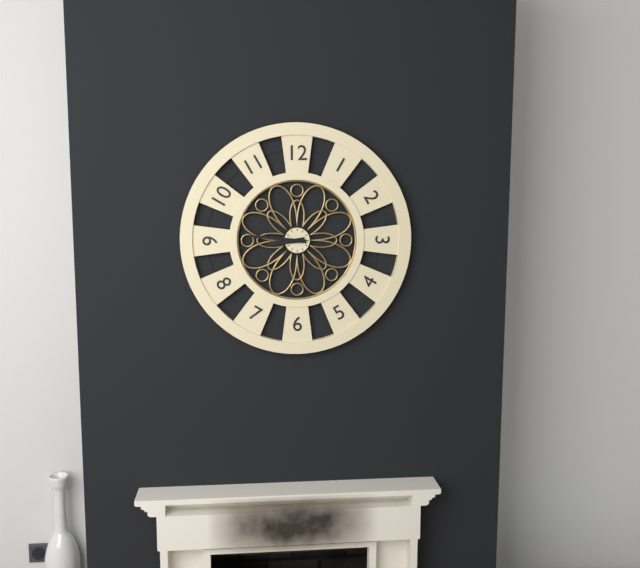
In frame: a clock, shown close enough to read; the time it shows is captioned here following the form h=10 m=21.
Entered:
h=8 m=46
